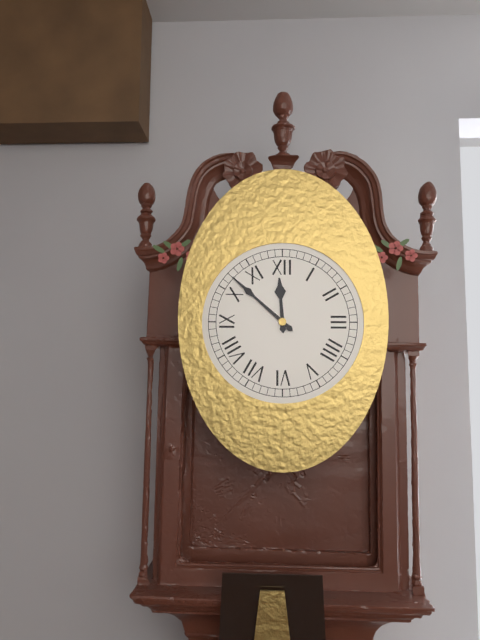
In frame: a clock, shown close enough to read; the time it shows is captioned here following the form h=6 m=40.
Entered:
h=11 m=52
